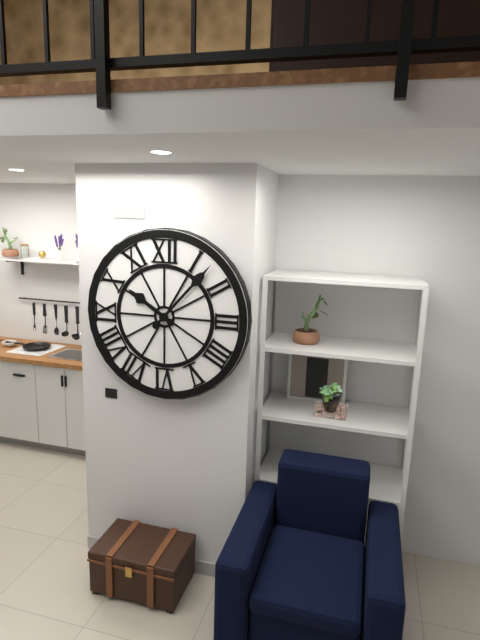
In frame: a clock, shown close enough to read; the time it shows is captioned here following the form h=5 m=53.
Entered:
h=10 m=7
